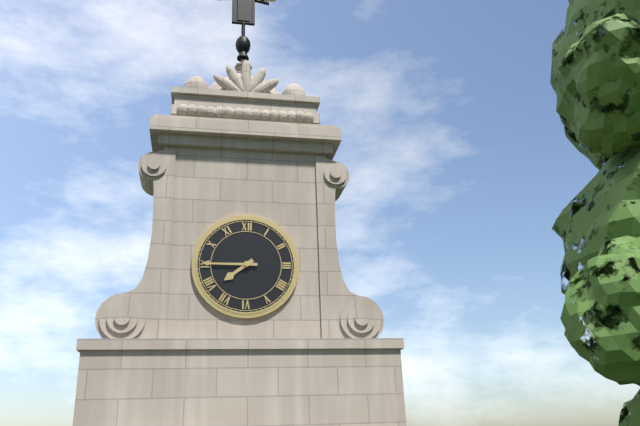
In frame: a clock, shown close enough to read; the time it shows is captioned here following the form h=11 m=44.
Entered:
h=7 m=45
